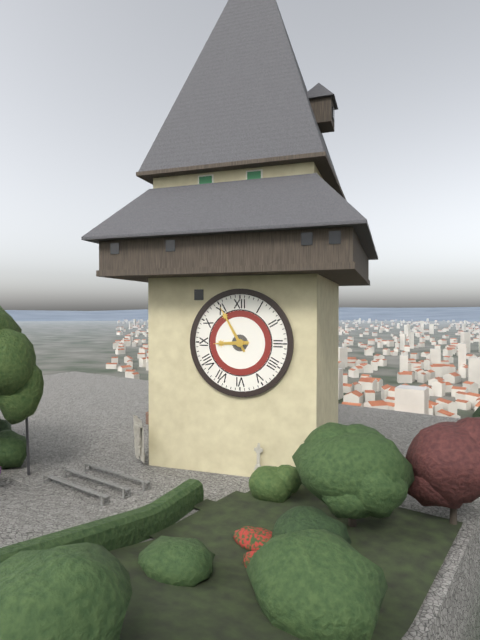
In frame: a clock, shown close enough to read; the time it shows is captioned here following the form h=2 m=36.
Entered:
h=8 m=55
